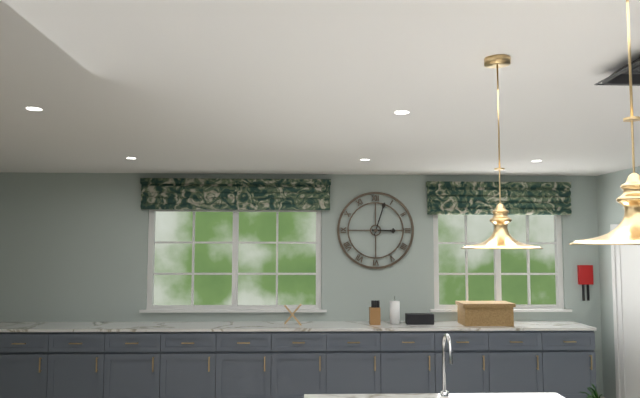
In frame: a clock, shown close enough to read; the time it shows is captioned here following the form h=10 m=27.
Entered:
h=3 m=3
